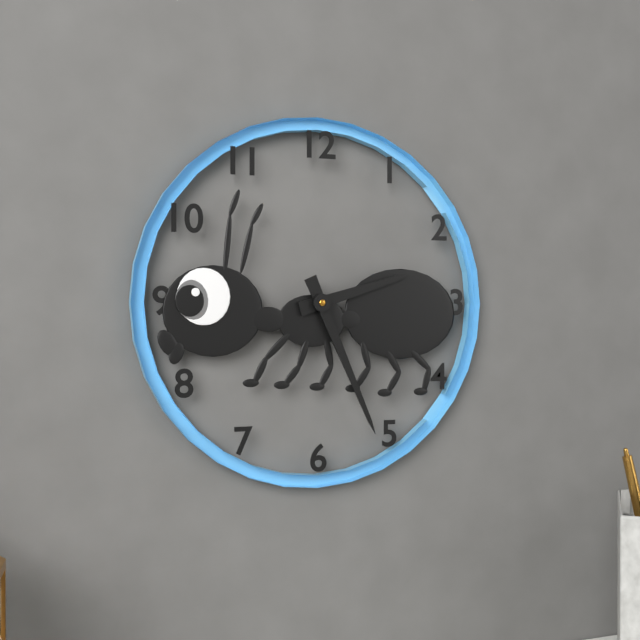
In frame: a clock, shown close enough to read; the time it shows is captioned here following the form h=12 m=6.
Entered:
h=2 m=26
